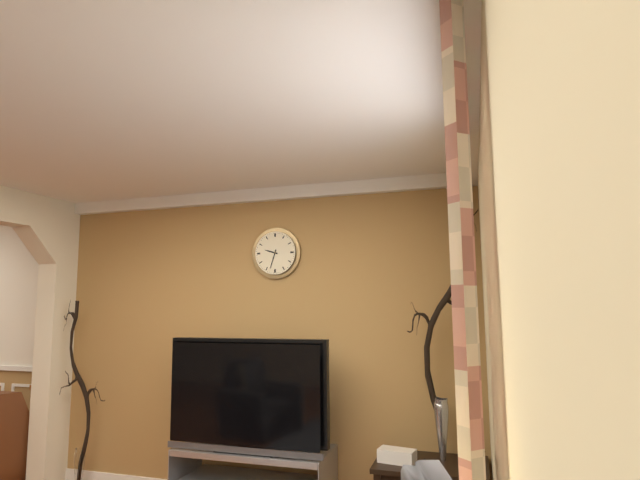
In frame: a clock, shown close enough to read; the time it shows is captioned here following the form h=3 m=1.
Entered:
h=9 m=33
